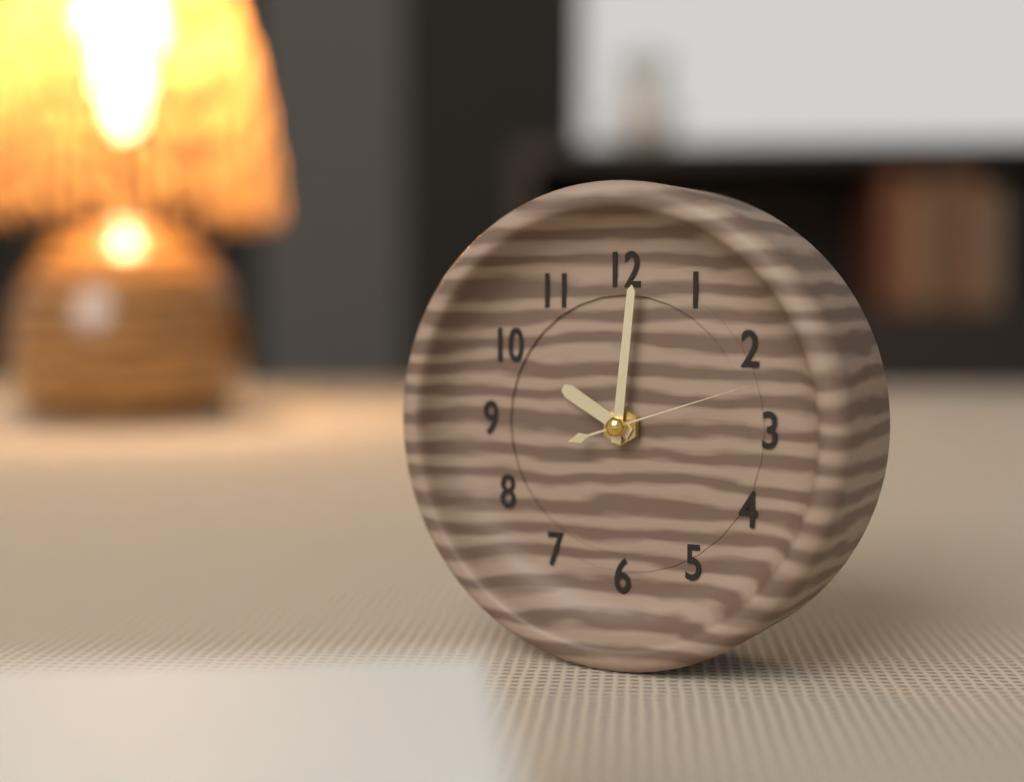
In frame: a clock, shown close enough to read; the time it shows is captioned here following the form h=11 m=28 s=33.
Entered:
h=10 m=1 s=12
